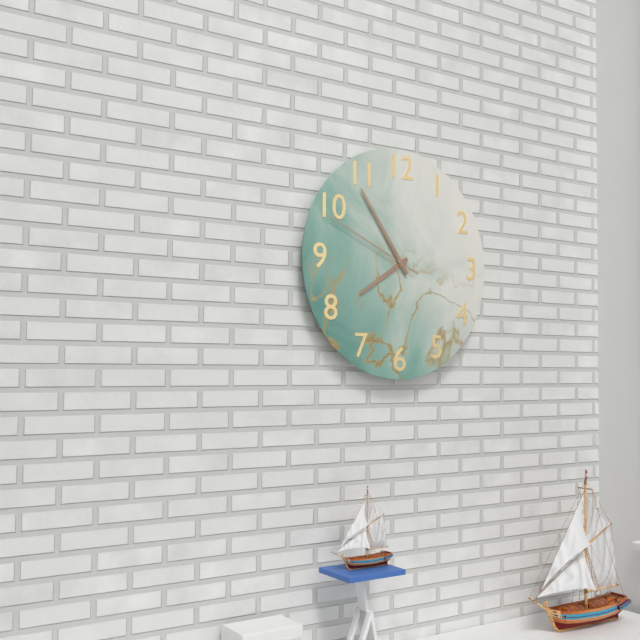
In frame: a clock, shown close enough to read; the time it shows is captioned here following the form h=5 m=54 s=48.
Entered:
h=7 m=54 s=49
